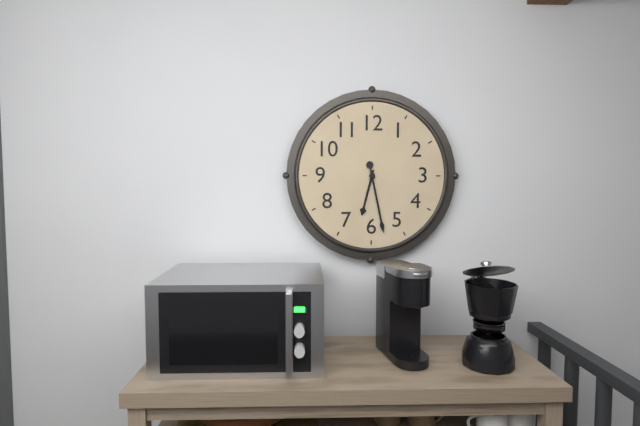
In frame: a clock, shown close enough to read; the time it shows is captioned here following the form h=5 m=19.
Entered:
h=6 m=28
